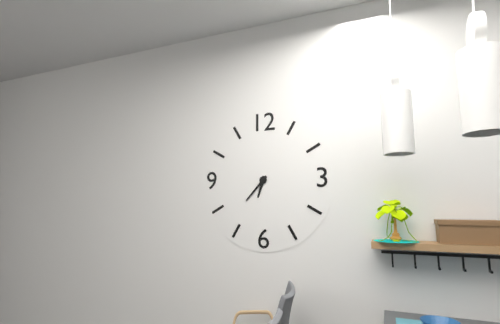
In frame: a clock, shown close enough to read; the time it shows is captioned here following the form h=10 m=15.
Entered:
h=6 m=37
